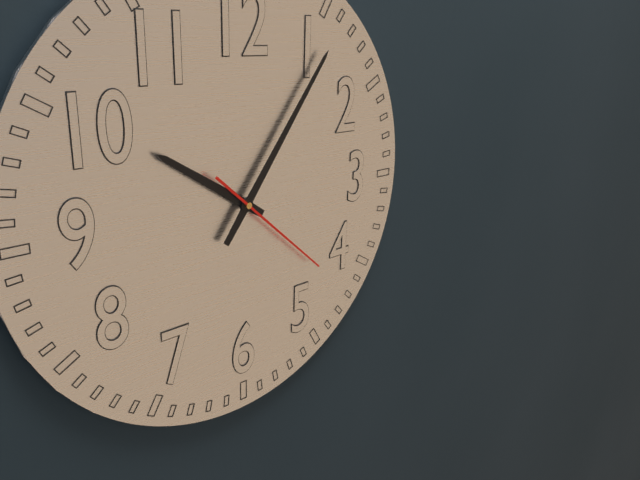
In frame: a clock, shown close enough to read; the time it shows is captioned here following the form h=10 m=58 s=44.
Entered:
h=10 m=6 s=22
